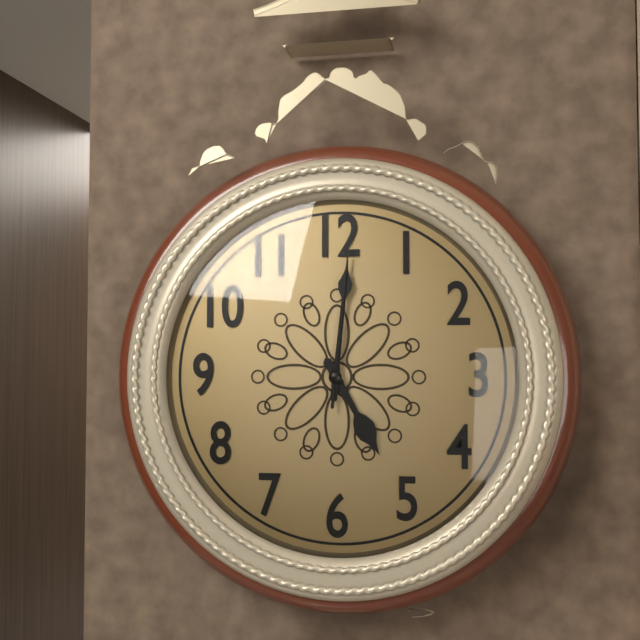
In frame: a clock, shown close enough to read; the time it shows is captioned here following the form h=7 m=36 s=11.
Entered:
h=5 m=1 s=1
